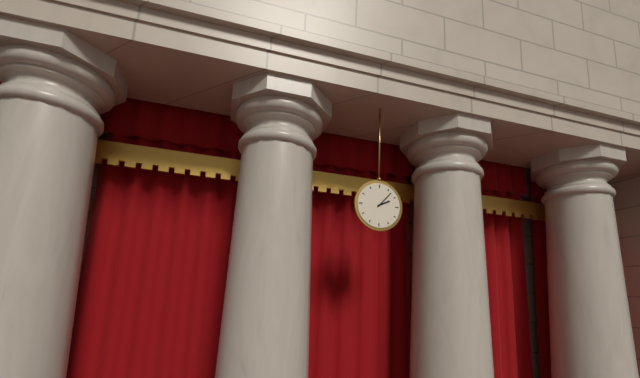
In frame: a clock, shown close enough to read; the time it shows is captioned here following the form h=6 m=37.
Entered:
h=2 m=7
